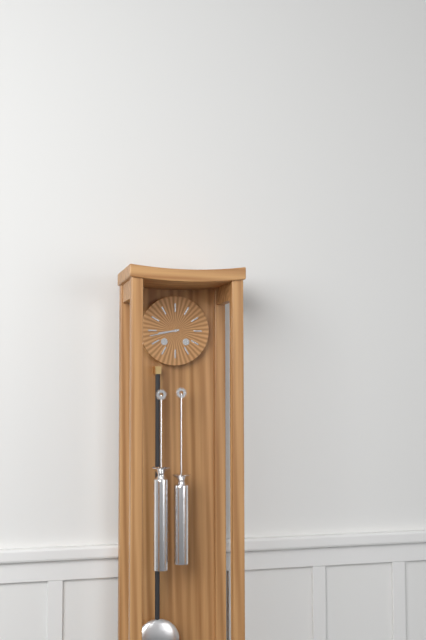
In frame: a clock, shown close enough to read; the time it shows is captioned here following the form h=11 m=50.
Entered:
h=8 m=43
